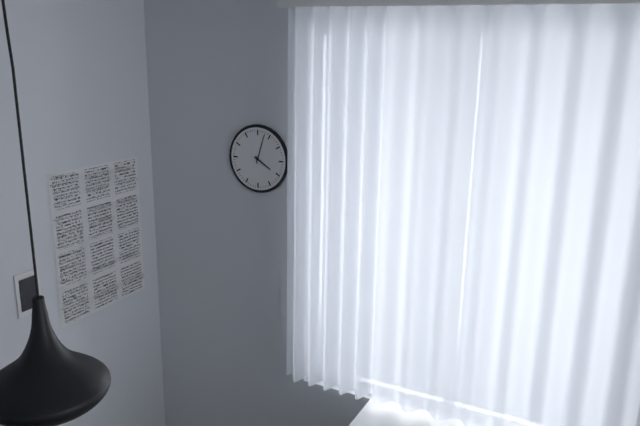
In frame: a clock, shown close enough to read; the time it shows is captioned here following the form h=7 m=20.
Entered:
h=4 m=3
